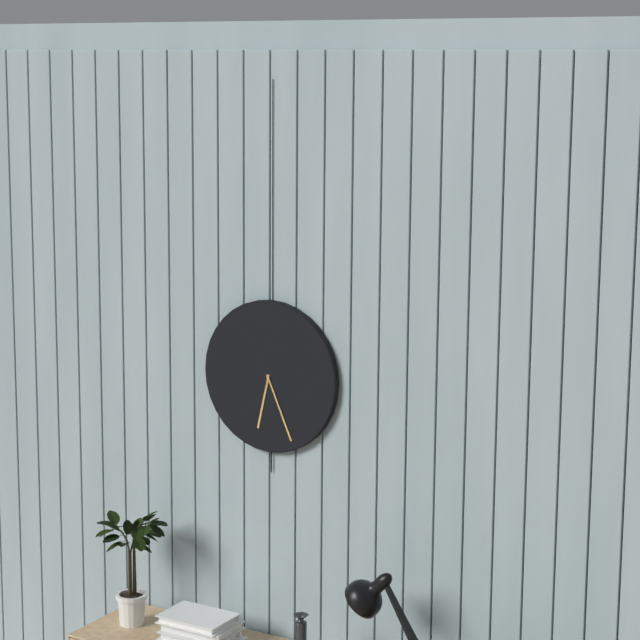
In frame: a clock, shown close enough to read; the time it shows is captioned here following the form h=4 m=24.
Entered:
h=6 m=26
